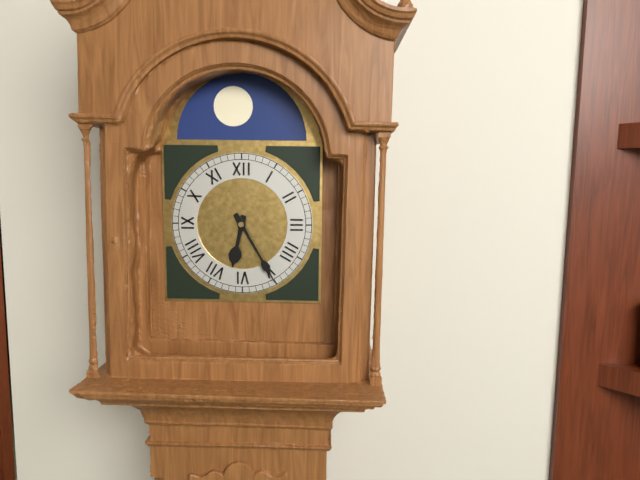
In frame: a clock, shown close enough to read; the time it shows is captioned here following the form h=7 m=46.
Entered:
h=6 m=25
